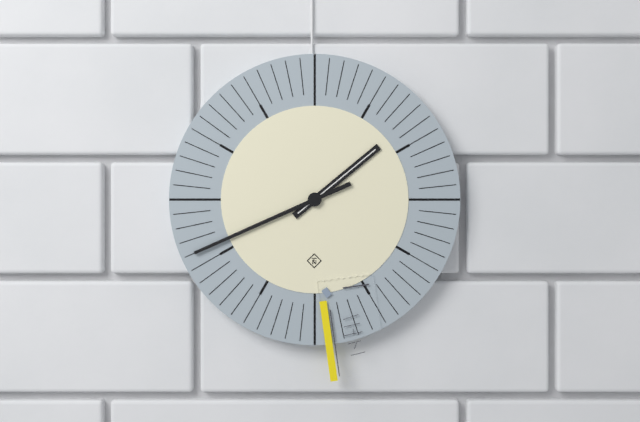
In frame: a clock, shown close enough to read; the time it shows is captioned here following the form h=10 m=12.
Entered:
h=1 m=41
